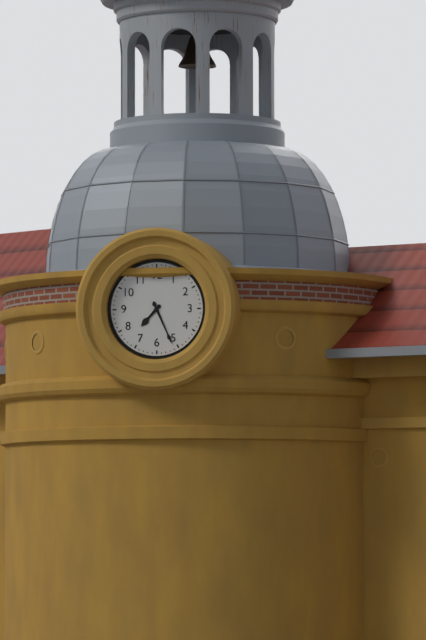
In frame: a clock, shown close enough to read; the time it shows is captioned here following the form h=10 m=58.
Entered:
h=7 m=26
